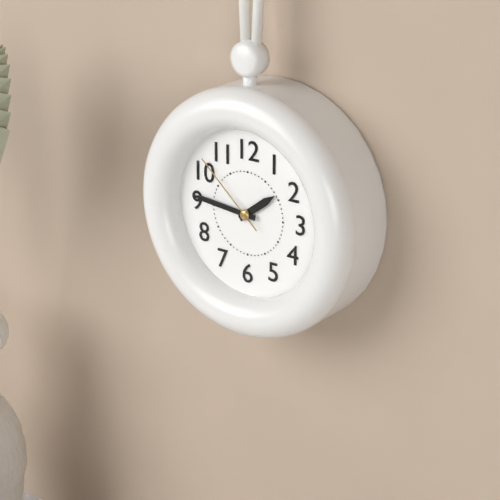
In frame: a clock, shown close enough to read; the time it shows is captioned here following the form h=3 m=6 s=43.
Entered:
h=1 m=46 s=52
